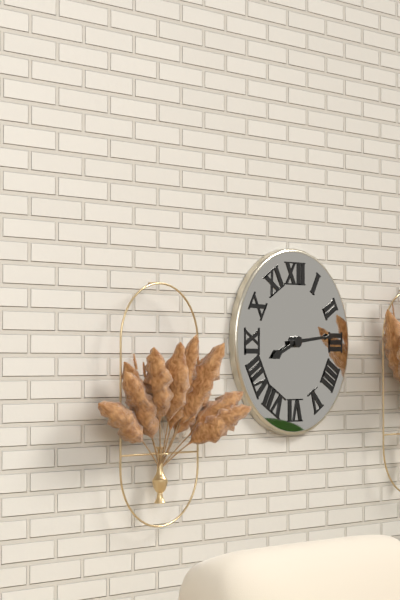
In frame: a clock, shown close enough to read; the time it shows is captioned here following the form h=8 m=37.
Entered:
h=8 m=14
